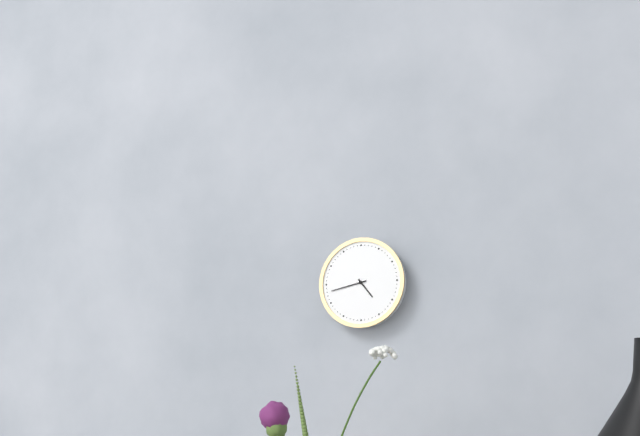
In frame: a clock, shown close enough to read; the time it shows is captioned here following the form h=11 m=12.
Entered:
h=4 m=43
